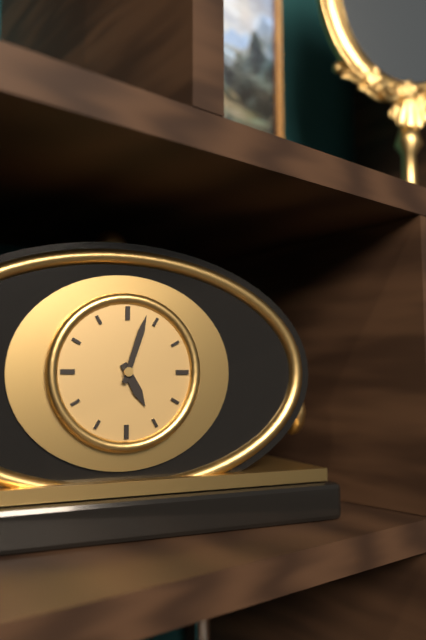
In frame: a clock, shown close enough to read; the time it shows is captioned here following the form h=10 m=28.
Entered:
h=5 m=3
